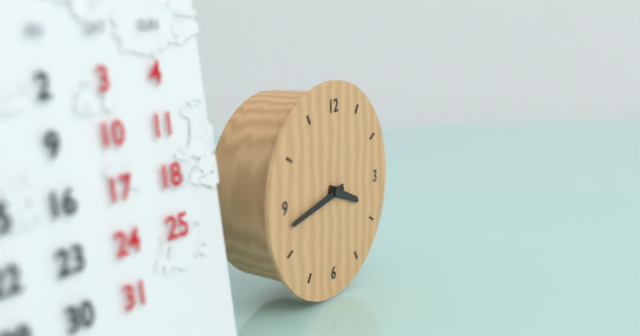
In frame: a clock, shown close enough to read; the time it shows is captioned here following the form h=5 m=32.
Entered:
h=3 m=43
